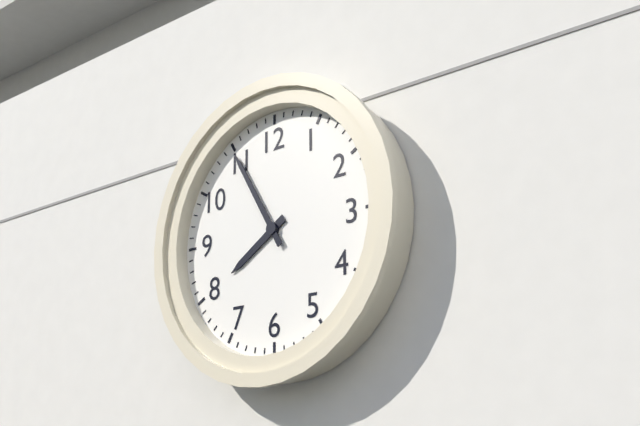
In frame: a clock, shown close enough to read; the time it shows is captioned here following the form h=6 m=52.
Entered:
h=7 m=55
